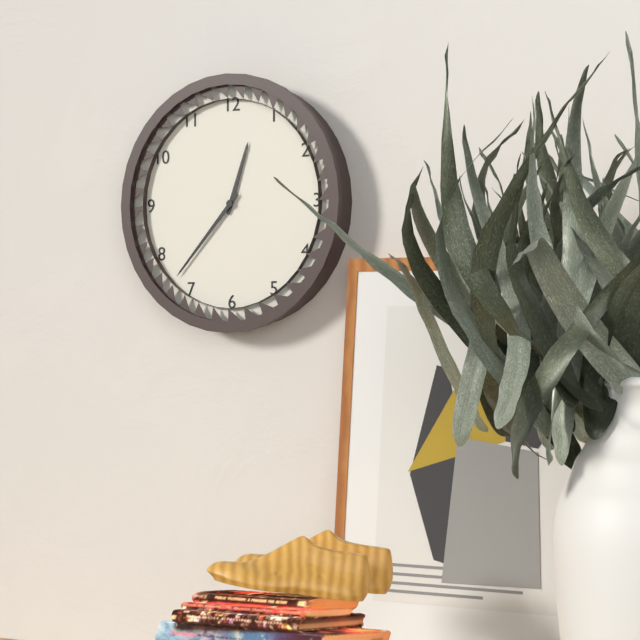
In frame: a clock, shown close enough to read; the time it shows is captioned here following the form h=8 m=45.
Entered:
h=12 m=37
